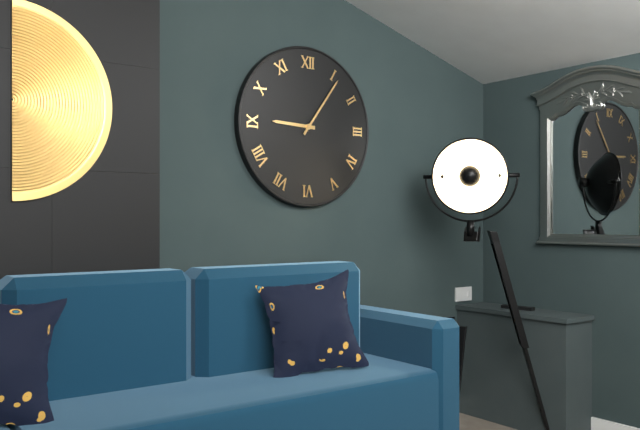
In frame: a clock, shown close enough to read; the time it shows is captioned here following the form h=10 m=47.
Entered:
h=9 m=6
